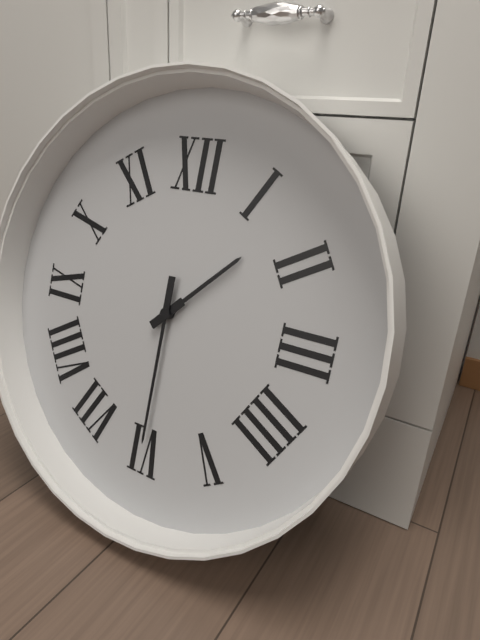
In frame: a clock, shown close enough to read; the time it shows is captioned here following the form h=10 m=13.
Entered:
h=1 m=30
